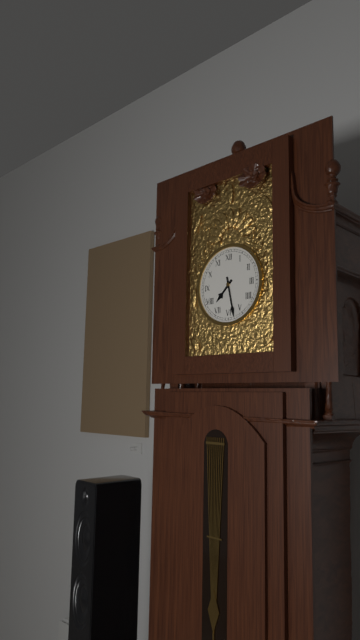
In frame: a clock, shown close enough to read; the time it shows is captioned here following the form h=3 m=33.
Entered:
h=7 m=28
